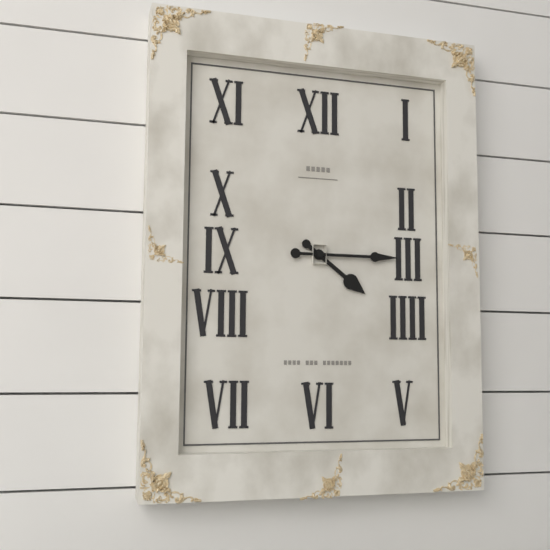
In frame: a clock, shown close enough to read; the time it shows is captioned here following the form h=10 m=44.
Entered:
h=4 m=15
